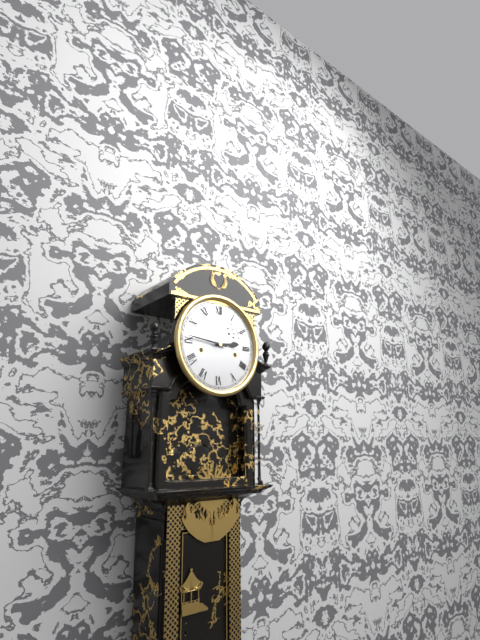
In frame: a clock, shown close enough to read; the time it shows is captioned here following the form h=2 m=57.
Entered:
h=2 m=46
